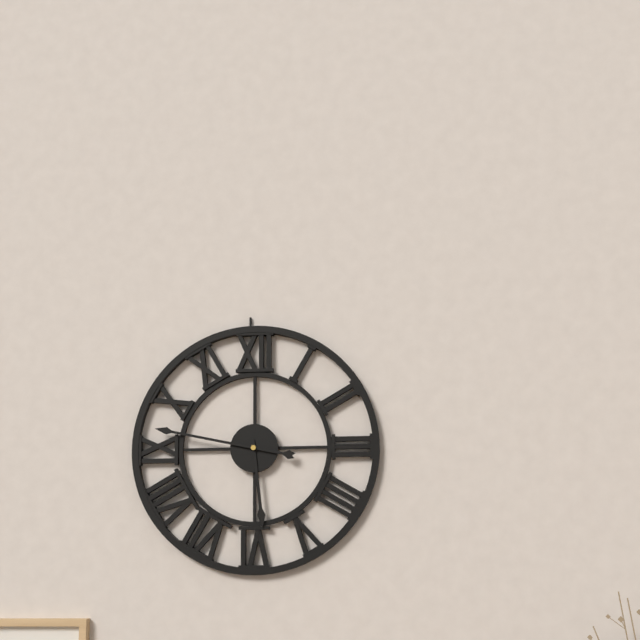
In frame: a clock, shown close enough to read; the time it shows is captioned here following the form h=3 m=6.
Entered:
h=5 m=47
